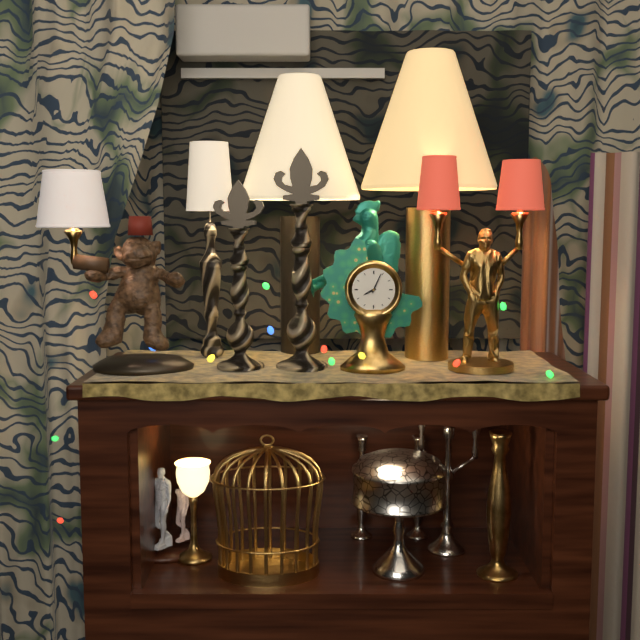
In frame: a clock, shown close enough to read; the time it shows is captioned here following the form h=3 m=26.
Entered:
h=8 m=4
